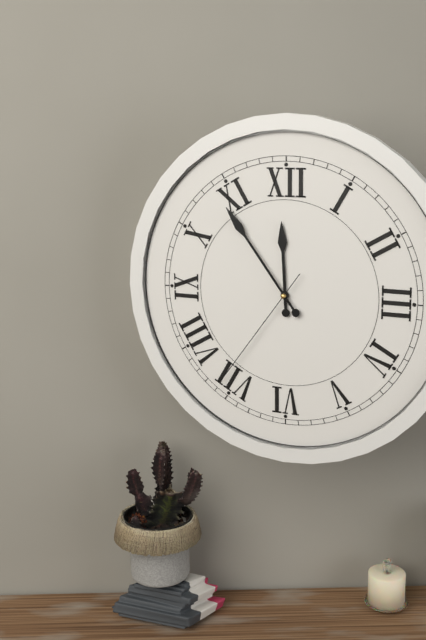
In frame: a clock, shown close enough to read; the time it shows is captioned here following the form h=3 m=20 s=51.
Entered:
h=11 m=54 s=36
